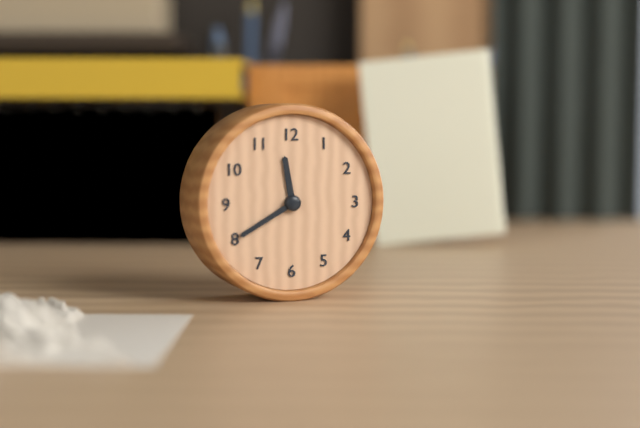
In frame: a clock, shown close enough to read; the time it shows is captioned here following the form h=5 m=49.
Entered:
h=11 m=40
